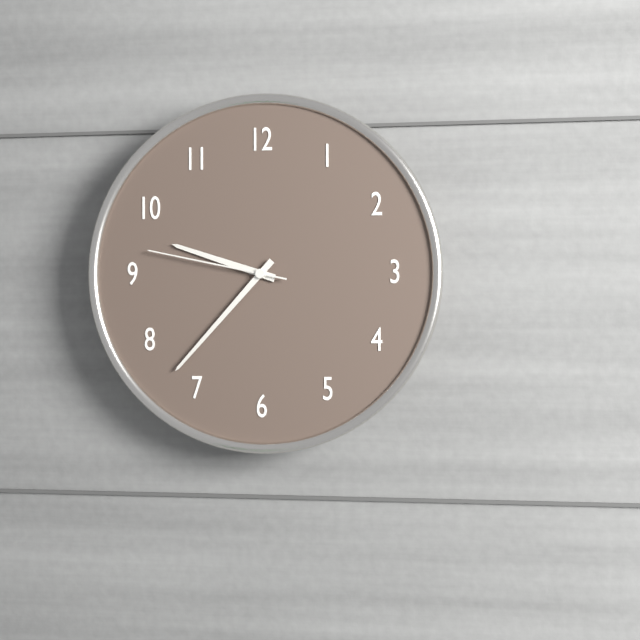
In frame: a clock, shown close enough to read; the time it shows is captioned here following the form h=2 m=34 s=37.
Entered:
h=9 m=37 s=47
